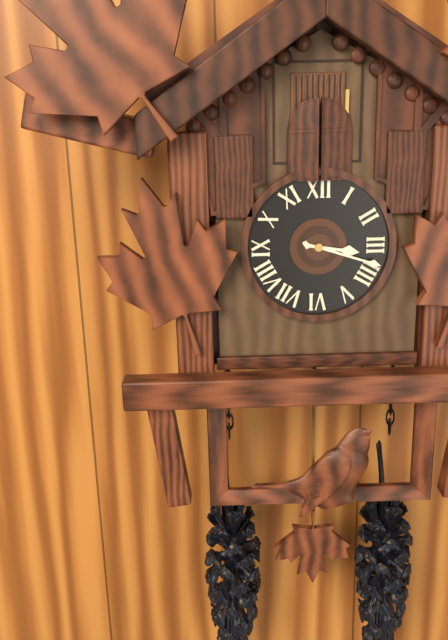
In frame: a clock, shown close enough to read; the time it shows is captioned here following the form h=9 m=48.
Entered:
h=3 m=18
